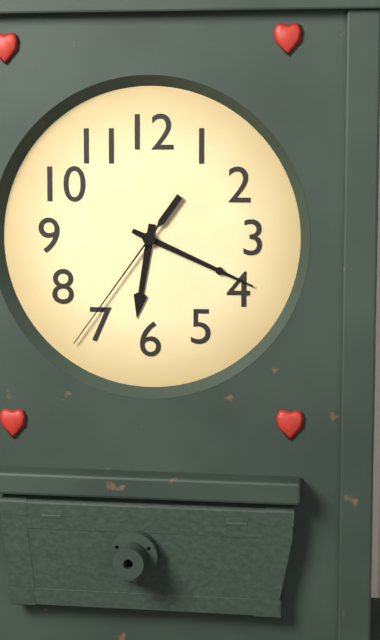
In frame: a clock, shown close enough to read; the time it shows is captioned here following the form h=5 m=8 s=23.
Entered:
h=6 m=19 s=36
